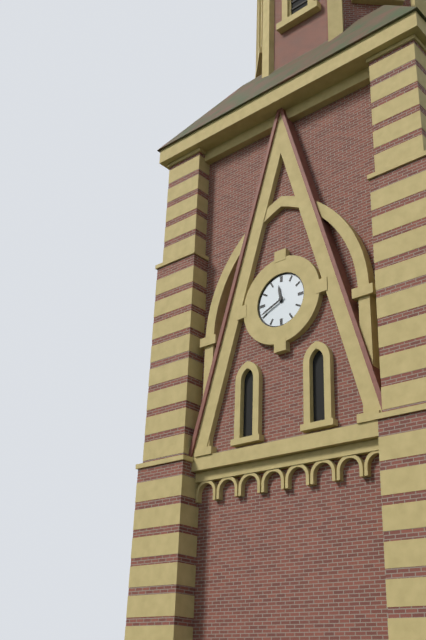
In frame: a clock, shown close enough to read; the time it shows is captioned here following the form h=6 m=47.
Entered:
h=11 m=41
